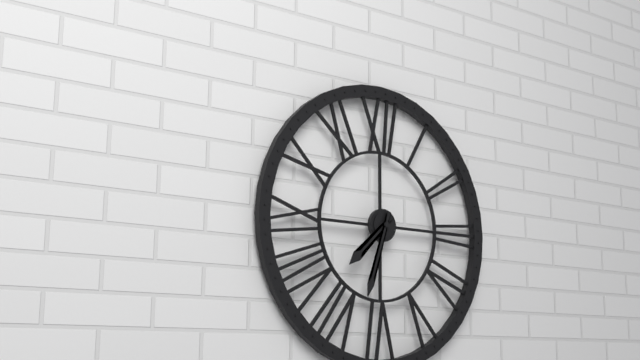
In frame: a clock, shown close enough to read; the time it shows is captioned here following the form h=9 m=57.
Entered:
h=7 m=33
